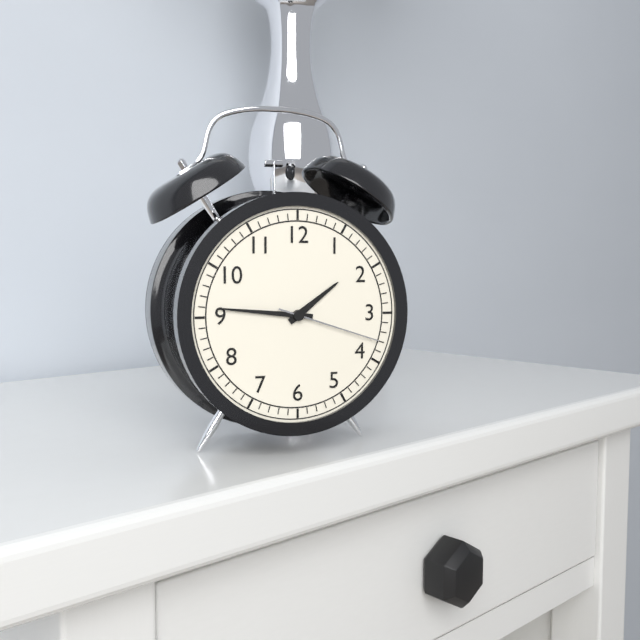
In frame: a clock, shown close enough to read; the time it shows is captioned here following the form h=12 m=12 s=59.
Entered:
h=1 m=46 s=18
